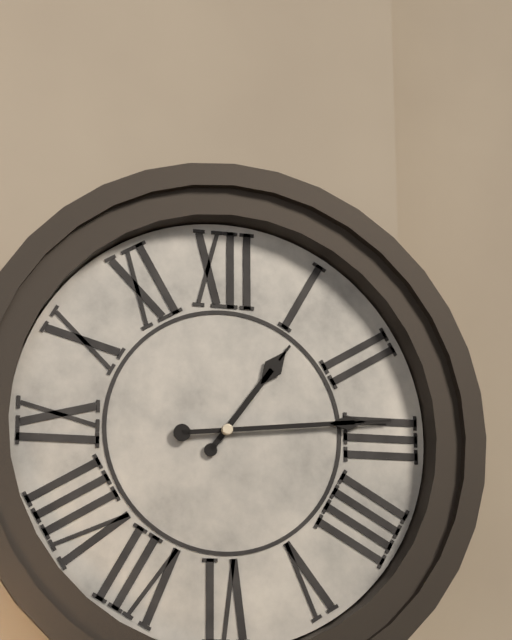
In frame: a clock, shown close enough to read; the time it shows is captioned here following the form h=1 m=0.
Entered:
h=1 m=14
